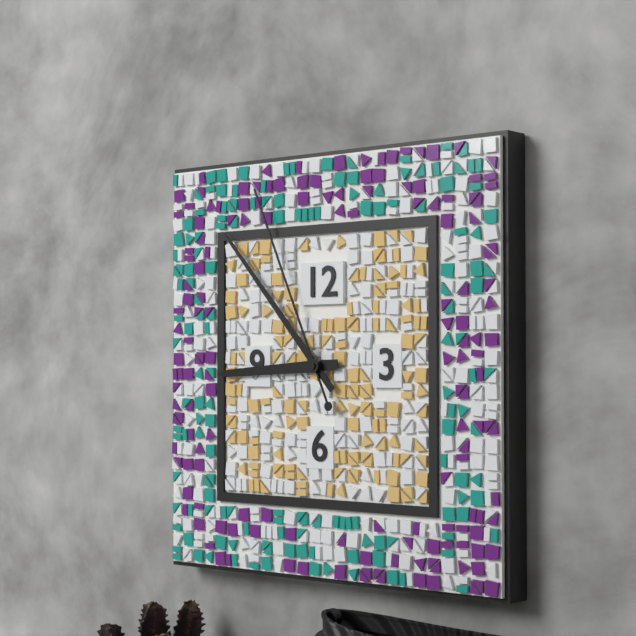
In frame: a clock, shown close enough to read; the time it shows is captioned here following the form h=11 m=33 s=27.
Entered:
h=8 m=53 s=56
